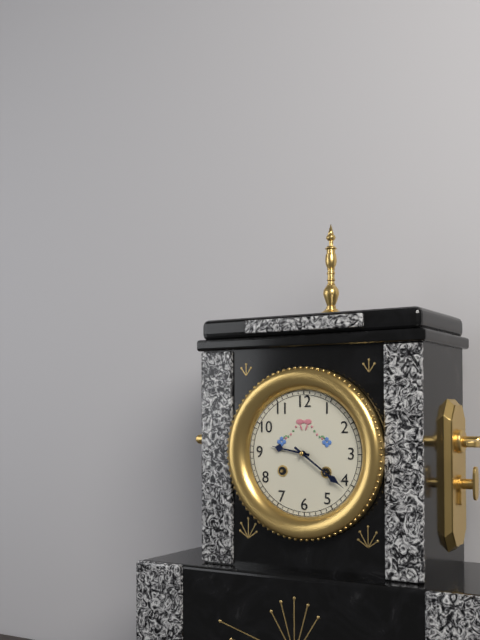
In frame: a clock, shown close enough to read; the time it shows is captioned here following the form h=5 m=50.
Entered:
h=9 m=21
